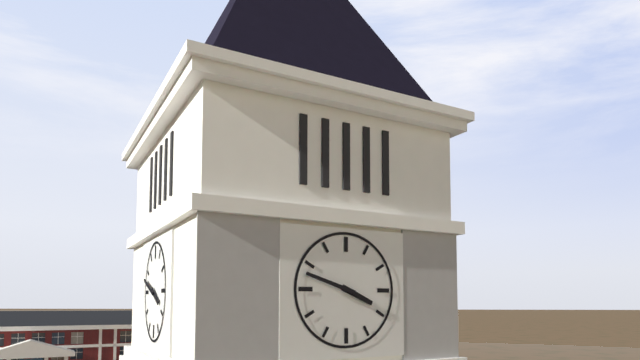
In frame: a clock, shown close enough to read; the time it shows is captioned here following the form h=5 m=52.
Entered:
h=3 m=48
